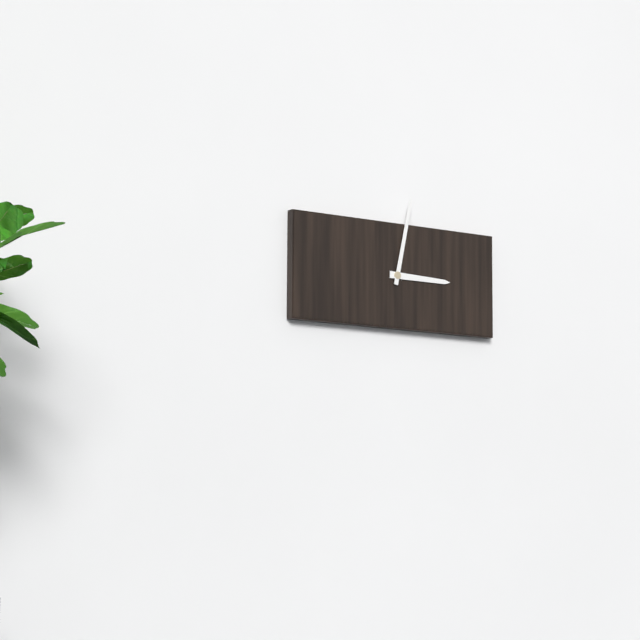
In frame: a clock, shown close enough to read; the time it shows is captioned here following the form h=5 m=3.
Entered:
h=3 m=2
